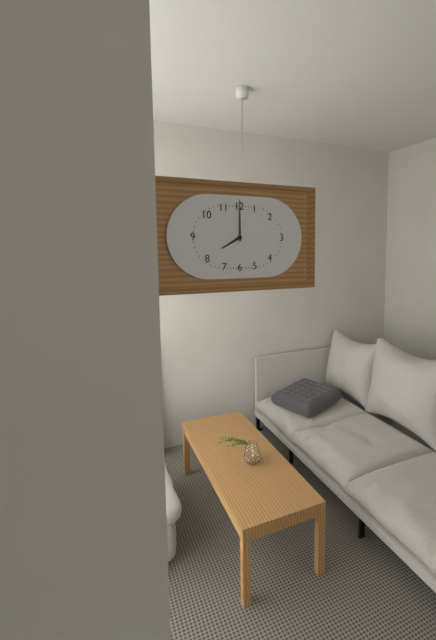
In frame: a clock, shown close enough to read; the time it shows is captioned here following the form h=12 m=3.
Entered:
h=8 m=0
